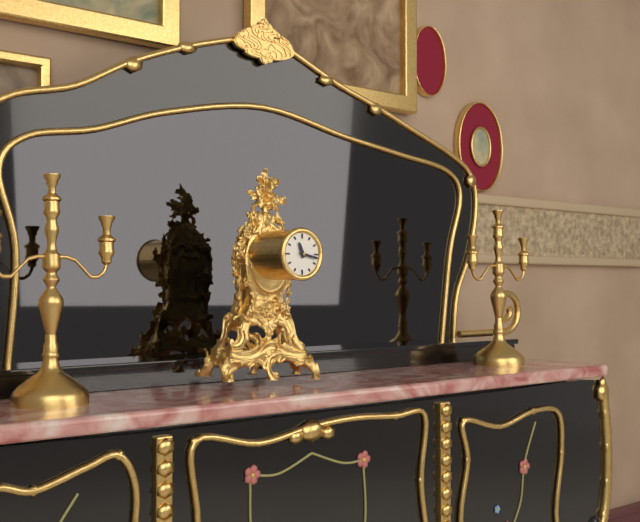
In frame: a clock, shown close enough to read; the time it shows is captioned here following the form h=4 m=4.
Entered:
h=11 m=17
